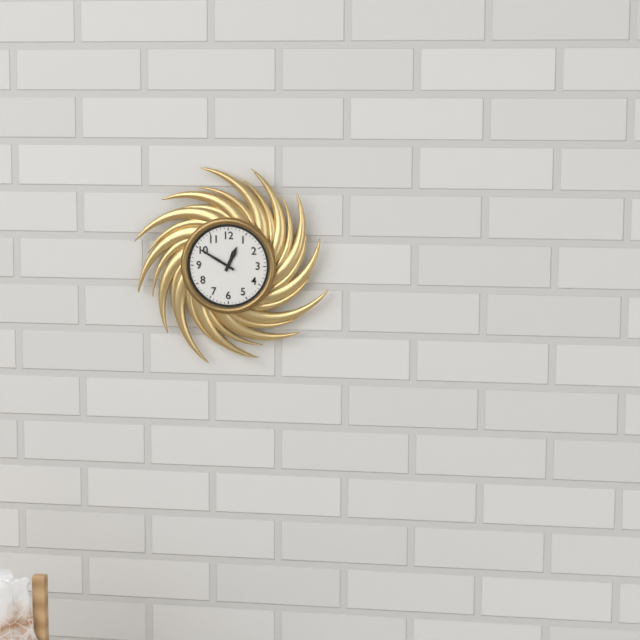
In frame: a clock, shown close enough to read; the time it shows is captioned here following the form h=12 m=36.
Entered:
h=12 m=50
